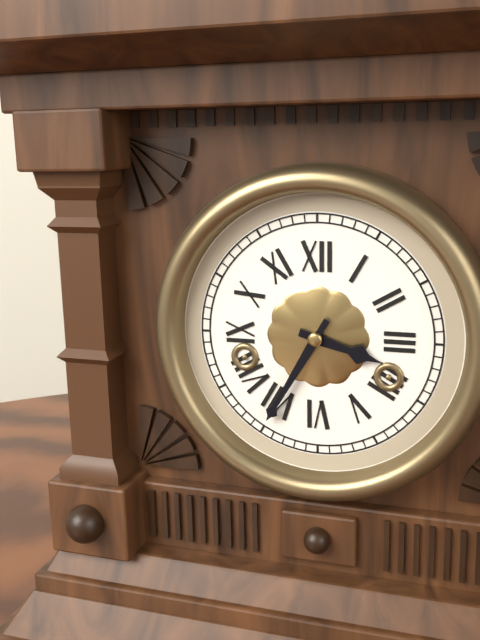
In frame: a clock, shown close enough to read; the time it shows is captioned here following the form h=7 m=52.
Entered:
h=3 m=35
